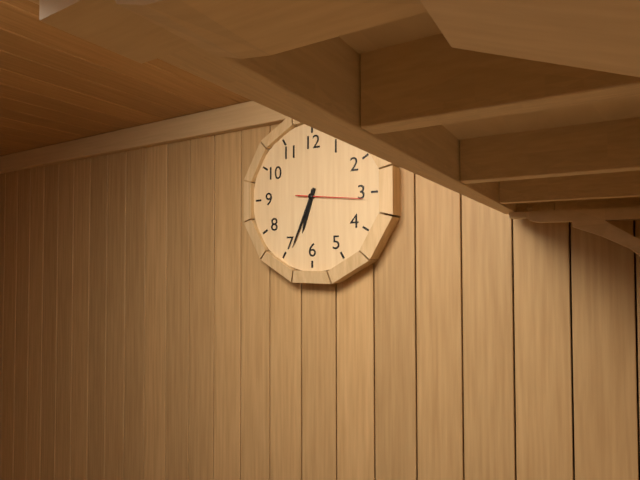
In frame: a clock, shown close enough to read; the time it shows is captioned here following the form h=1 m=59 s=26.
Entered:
h=6 m=34 s=16
